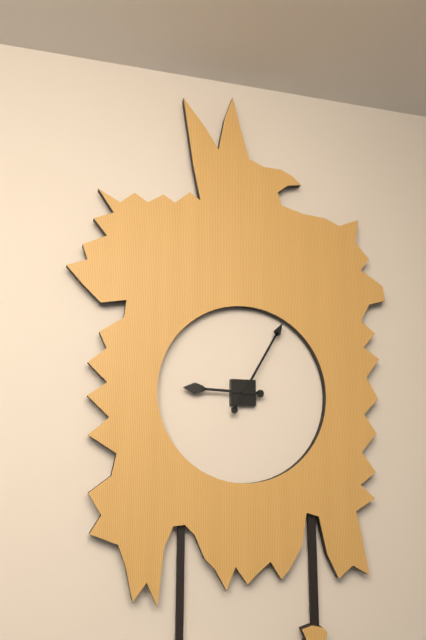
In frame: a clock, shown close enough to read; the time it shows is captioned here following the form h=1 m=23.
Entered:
h=9 m=5
